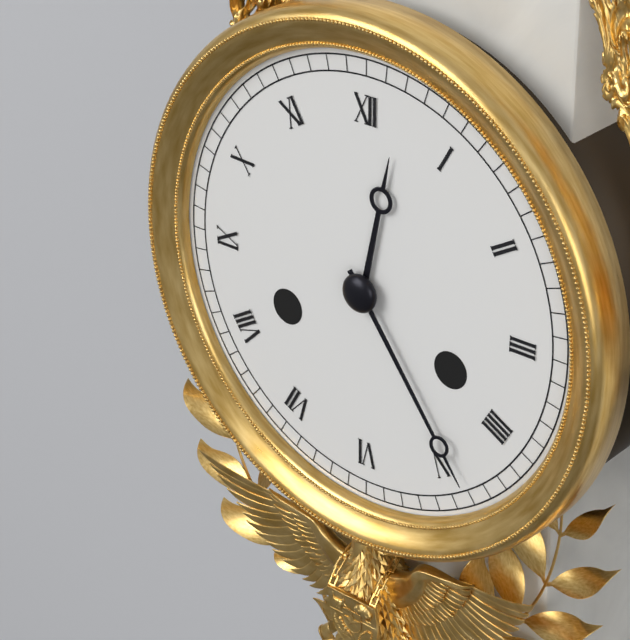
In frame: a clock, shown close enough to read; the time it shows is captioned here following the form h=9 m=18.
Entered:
h=12 m=24
